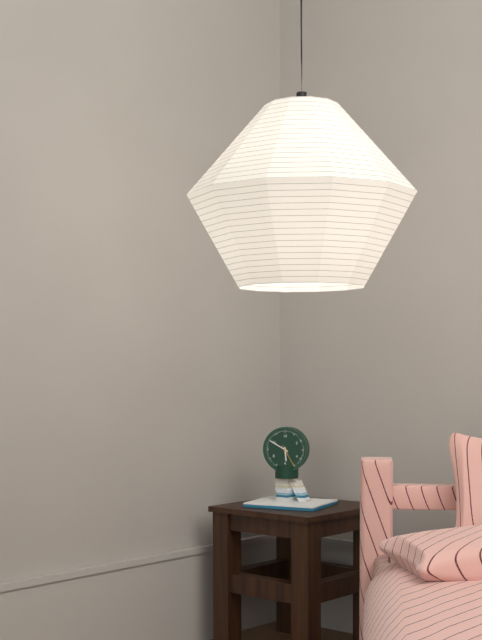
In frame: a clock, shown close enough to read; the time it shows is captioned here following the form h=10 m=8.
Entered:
h=5 m=50
